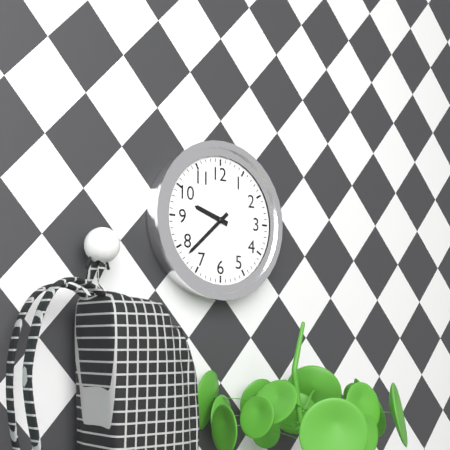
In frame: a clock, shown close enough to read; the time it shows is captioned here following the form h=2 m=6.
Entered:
h=9 m=38
